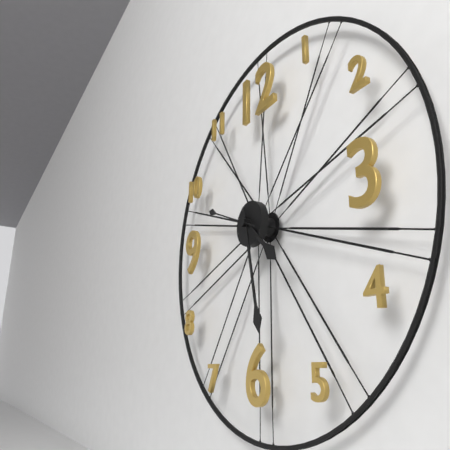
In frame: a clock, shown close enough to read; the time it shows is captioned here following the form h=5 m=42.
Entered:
h=4 m=28
